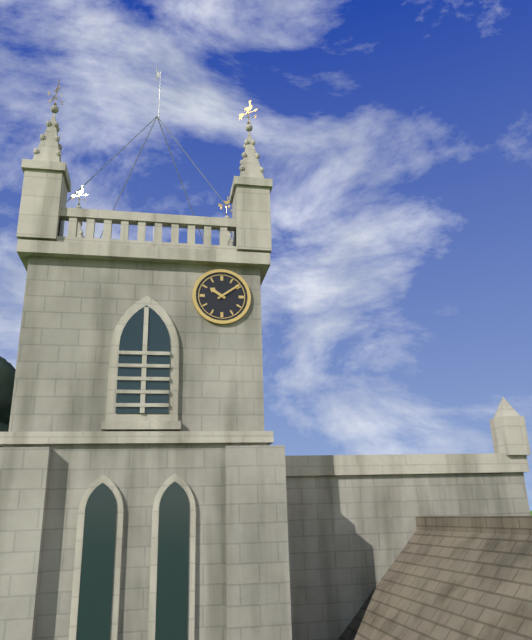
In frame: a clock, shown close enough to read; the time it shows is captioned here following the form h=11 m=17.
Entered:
h=10 m=9
